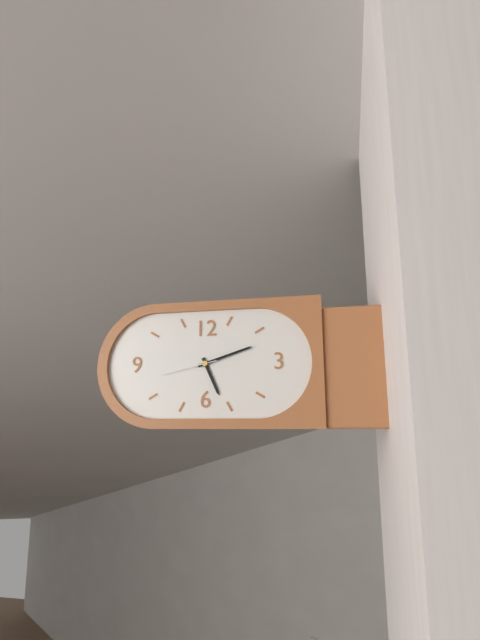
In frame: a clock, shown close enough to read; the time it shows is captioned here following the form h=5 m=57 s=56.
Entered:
h=5 m=12 s=43
